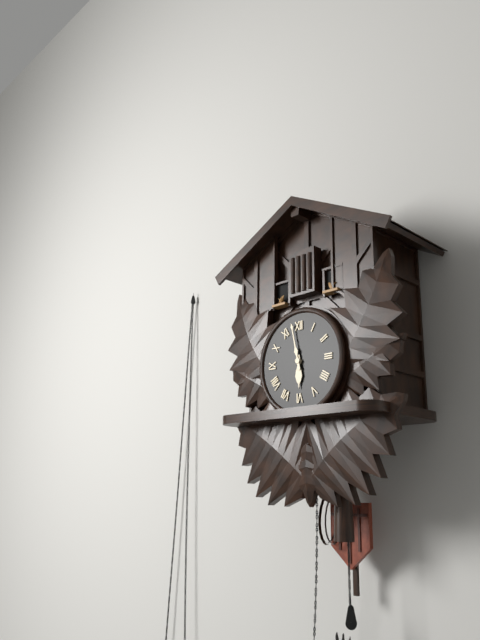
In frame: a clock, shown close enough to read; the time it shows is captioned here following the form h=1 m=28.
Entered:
h=5 m=58
